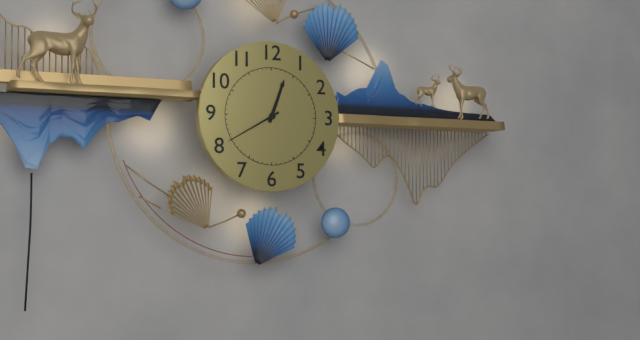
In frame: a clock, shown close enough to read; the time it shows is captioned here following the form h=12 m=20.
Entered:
h=12 m=40
